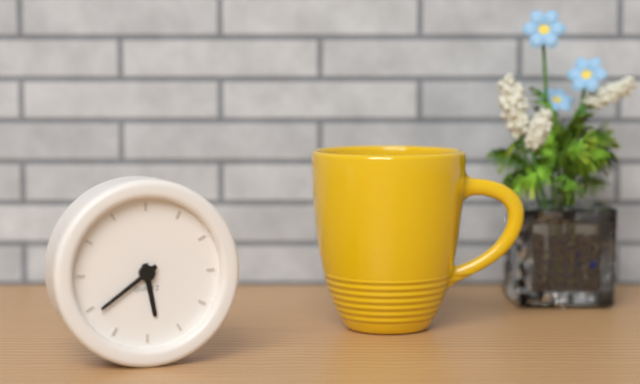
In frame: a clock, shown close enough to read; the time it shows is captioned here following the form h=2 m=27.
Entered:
h=5 m=39
